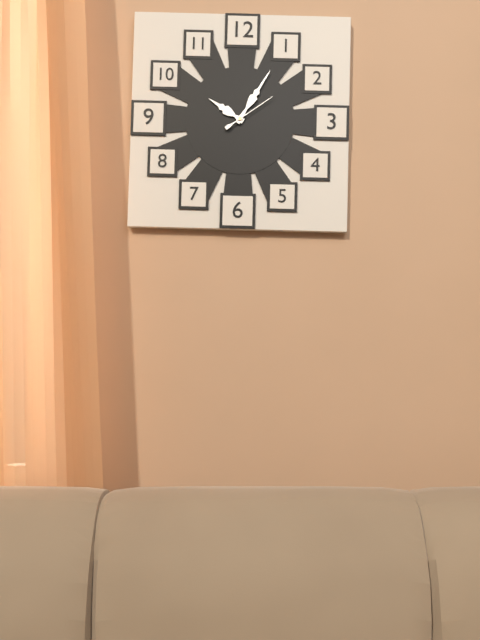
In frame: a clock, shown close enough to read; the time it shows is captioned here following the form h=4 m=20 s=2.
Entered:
h=10 m=5 s=9
